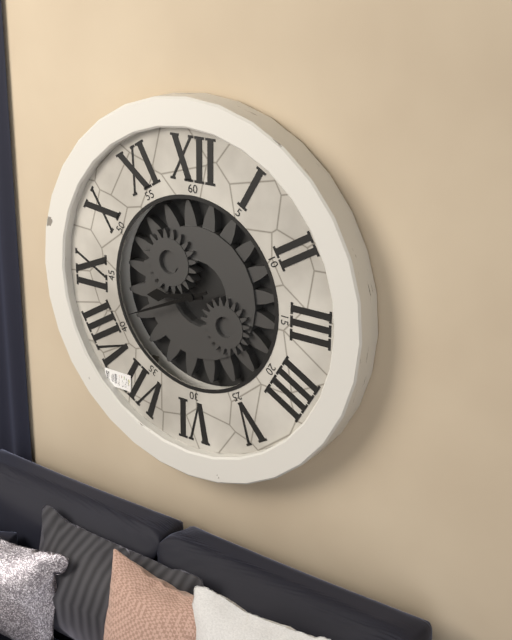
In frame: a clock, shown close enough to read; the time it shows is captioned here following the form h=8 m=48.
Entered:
h=8 m=41
